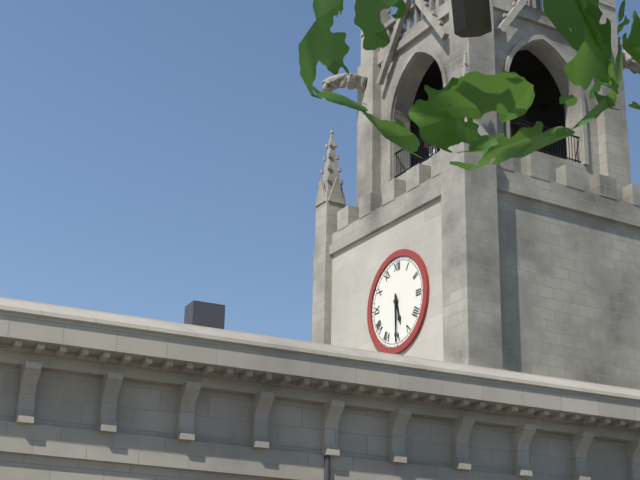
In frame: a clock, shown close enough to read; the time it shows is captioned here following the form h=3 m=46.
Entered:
h=5 m=30
